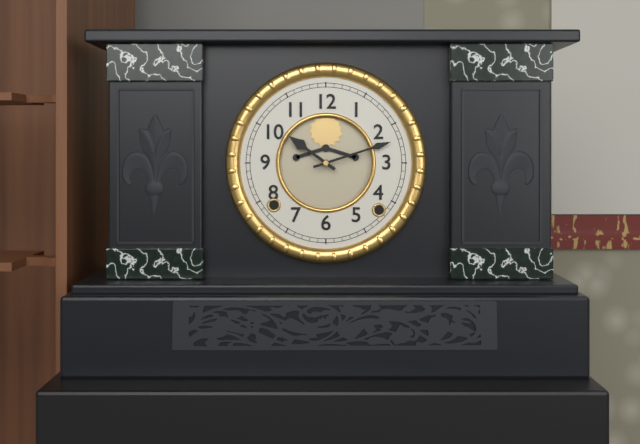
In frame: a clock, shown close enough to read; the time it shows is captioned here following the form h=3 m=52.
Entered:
h=10 m=12
